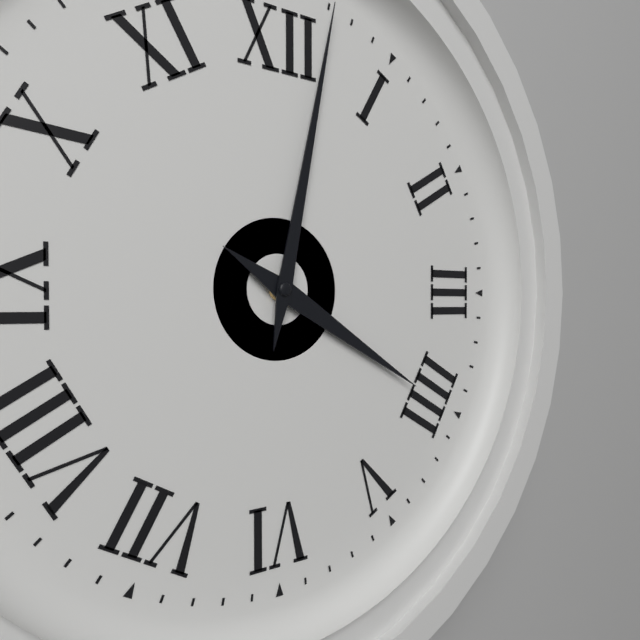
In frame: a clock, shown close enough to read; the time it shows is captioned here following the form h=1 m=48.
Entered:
h=4 m=2
